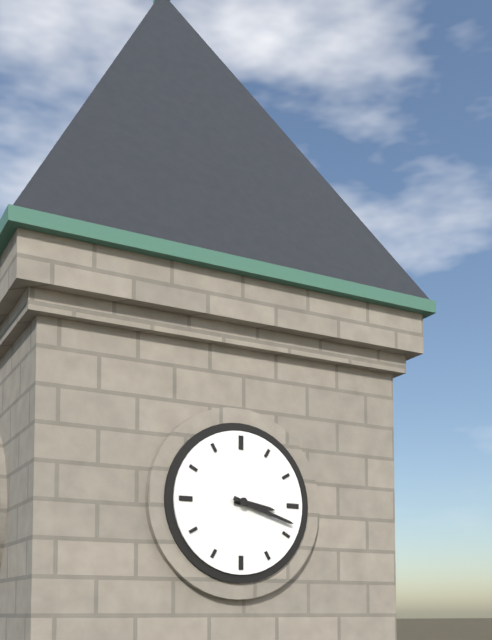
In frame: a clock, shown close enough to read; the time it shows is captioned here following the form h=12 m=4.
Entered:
h=3 m=18
